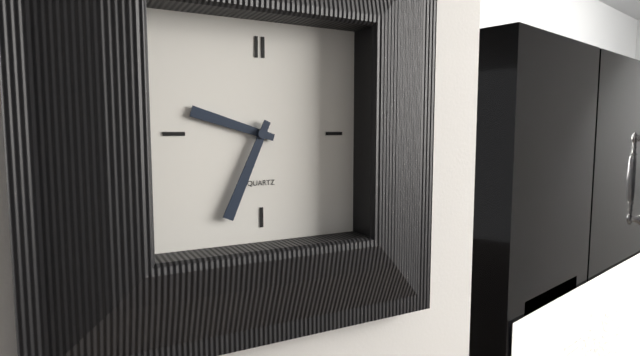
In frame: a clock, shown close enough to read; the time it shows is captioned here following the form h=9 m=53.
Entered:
h=9 m=34
